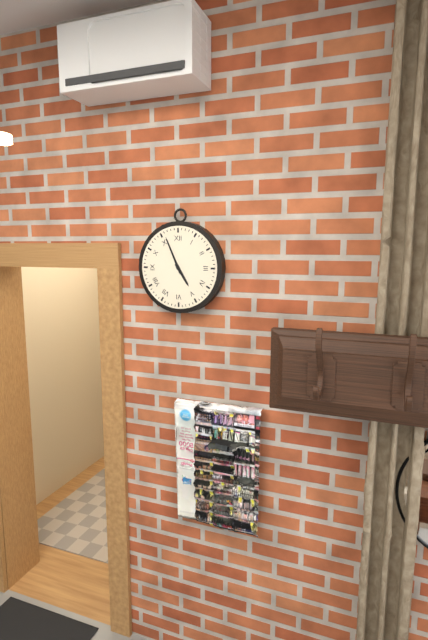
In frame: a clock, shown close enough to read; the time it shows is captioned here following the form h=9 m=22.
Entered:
h=4 m=56
